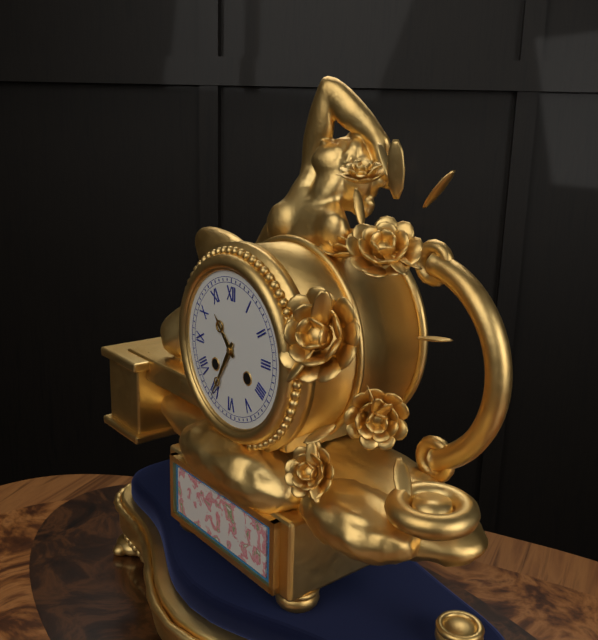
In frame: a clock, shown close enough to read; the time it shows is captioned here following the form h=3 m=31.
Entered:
h=10 m=35
